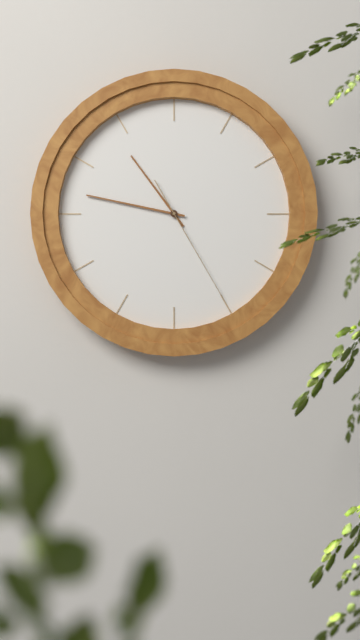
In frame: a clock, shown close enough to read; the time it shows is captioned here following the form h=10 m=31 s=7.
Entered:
h=10 m=47 s=25
